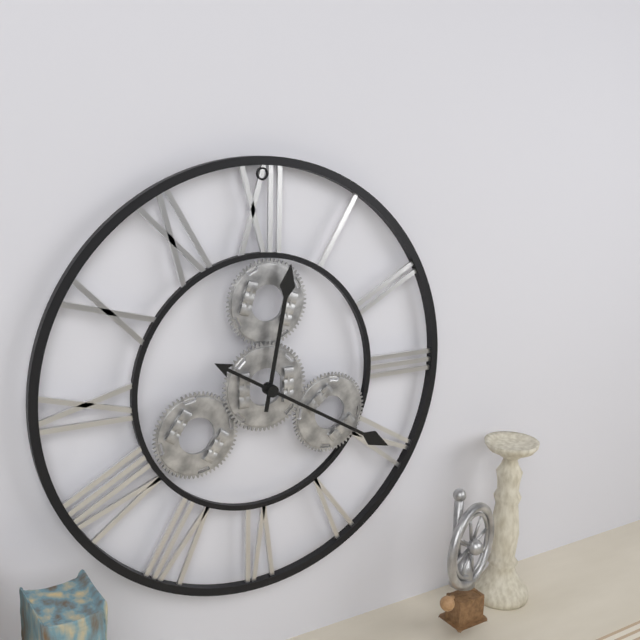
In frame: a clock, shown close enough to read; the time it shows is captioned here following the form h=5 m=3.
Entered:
h=12 m=20
